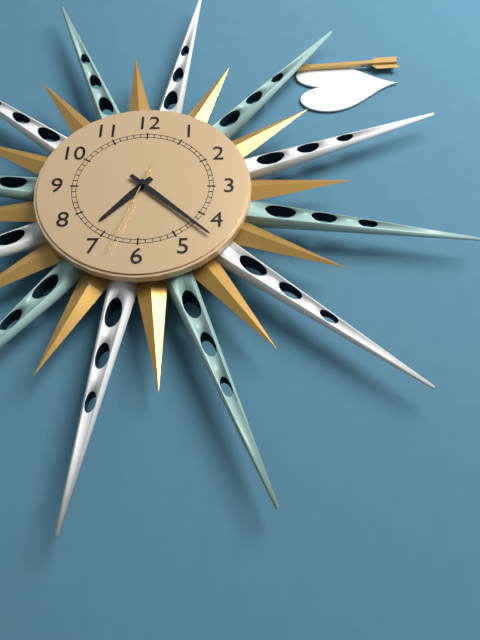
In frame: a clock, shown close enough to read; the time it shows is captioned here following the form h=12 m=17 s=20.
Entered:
h=7 m=22 s=33
